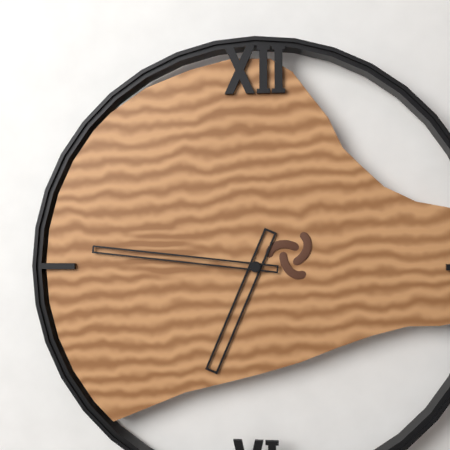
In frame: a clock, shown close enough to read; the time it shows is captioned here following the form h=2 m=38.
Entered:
h=6 m=46
